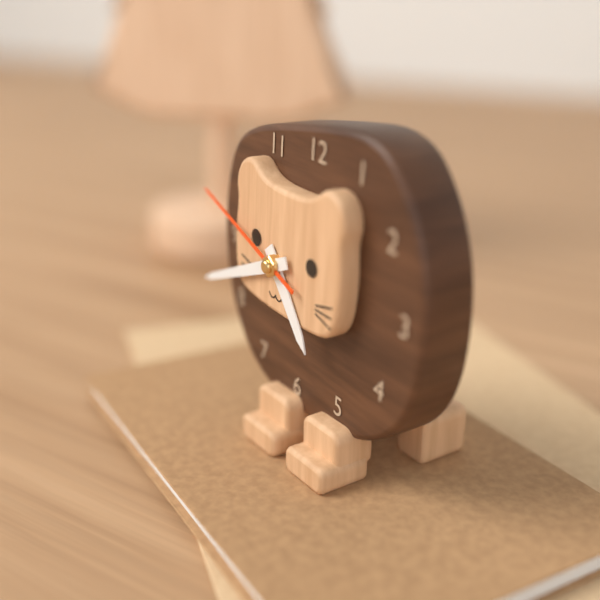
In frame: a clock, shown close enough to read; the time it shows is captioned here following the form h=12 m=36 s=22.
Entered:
h=4 m=41 s=48
